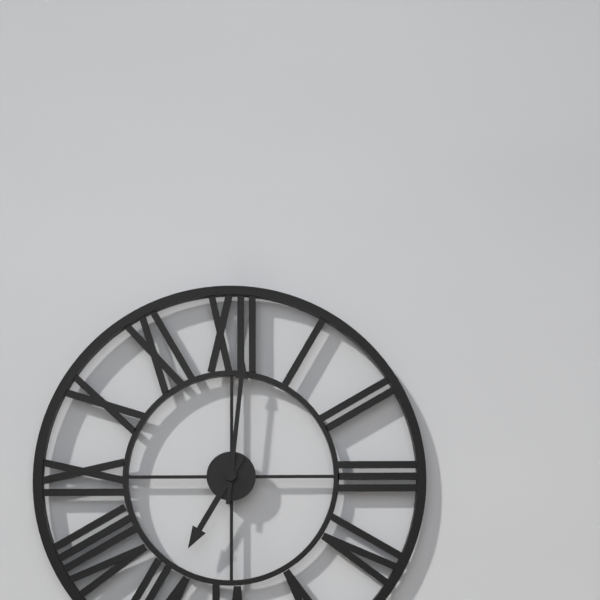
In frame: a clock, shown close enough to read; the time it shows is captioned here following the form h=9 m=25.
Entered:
h=7 m=1
